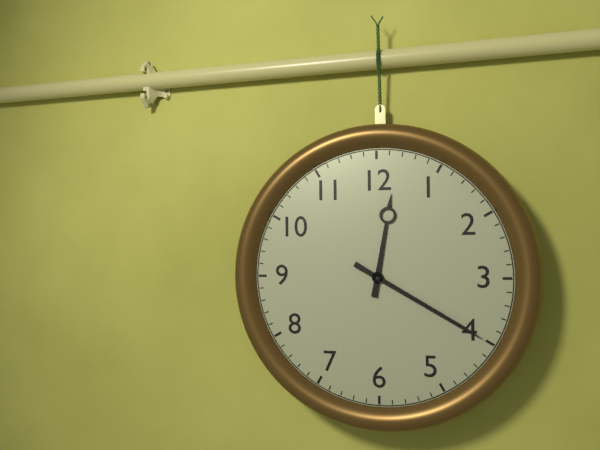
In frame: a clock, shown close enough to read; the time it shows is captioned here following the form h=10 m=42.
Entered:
h=12 m=20
